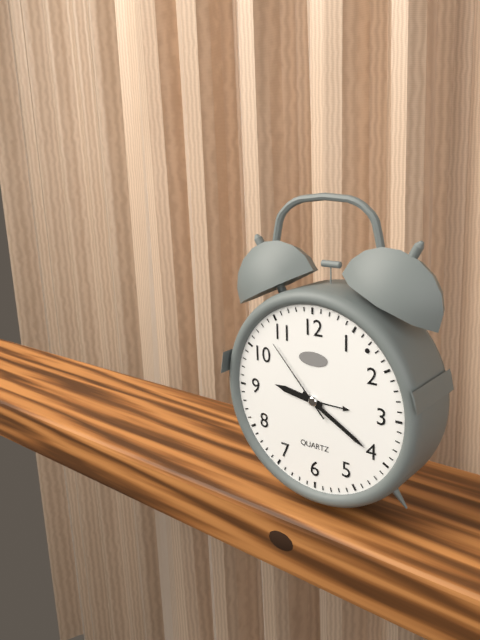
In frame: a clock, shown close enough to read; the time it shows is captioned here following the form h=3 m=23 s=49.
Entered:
h=9 m=20 s=53
